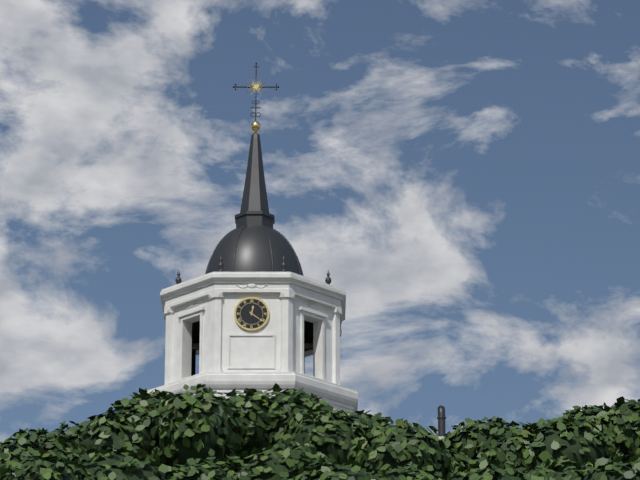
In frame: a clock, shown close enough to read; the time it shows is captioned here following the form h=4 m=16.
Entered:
h=12 m=21
